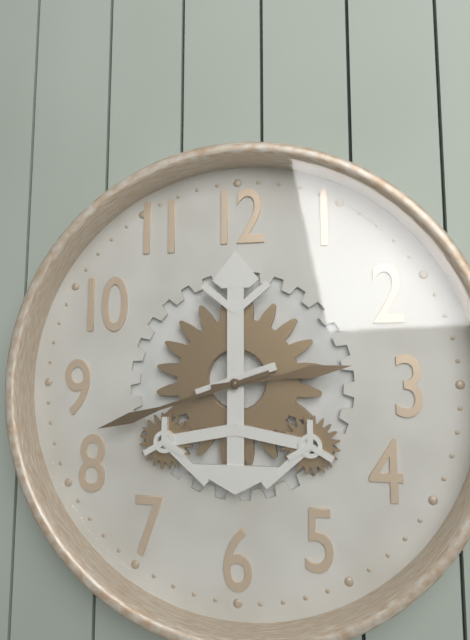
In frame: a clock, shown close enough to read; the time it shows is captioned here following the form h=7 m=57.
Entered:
h=2 m=42
